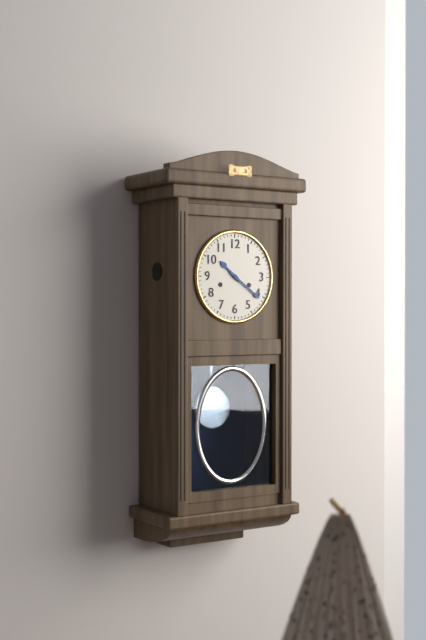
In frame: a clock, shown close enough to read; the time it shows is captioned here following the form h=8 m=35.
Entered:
h=10 m=21
